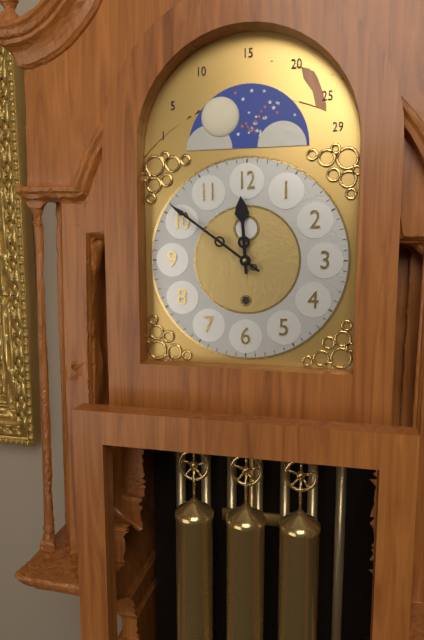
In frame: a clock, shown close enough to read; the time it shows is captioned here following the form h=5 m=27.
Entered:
h=11 m=51
